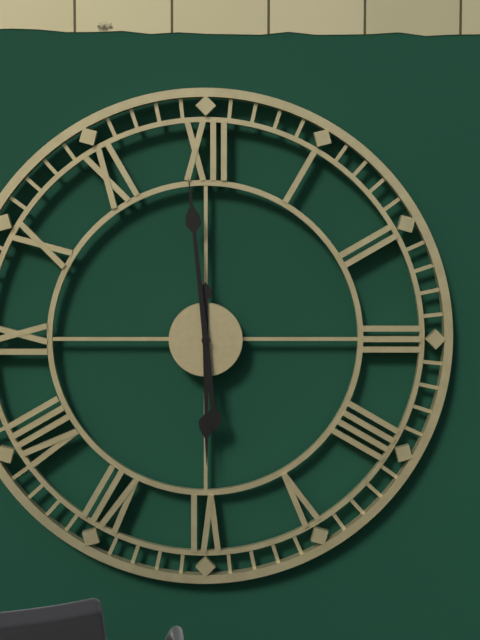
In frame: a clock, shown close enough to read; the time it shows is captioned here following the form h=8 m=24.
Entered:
h=5 m=59
